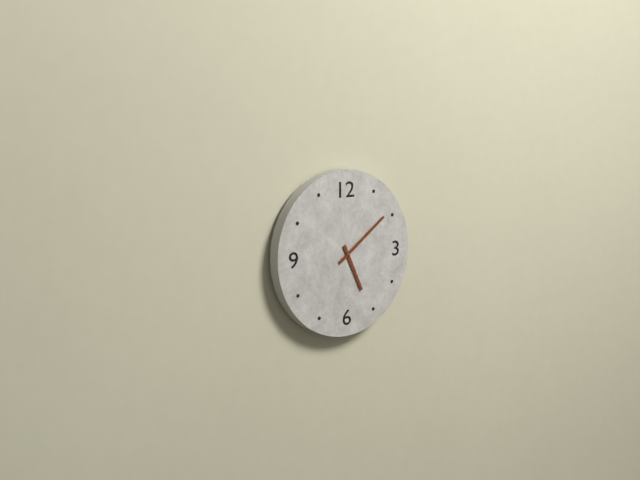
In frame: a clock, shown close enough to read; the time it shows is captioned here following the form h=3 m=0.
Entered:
h=5 m=9
